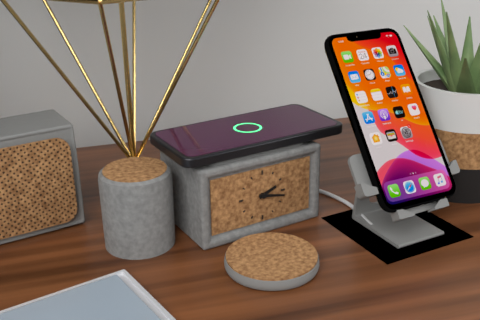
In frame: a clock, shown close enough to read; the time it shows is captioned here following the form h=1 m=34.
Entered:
h=2 m=17
